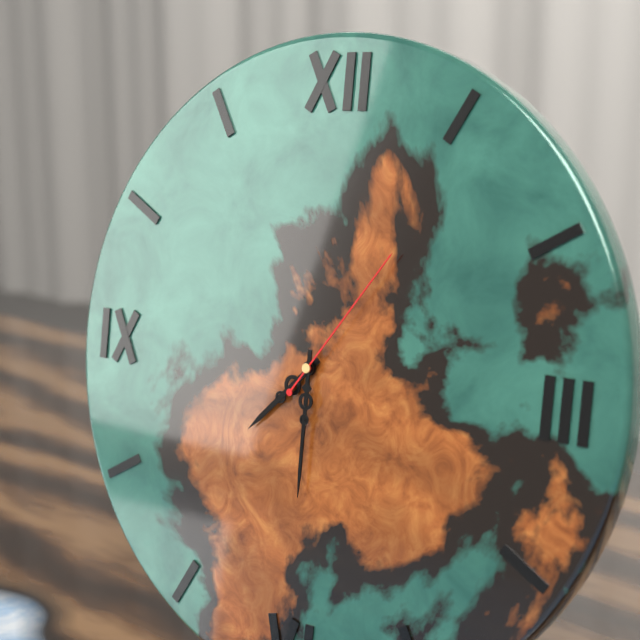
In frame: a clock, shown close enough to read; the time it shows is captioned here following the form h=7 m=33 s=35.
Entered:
h=7 m=30 s=6
